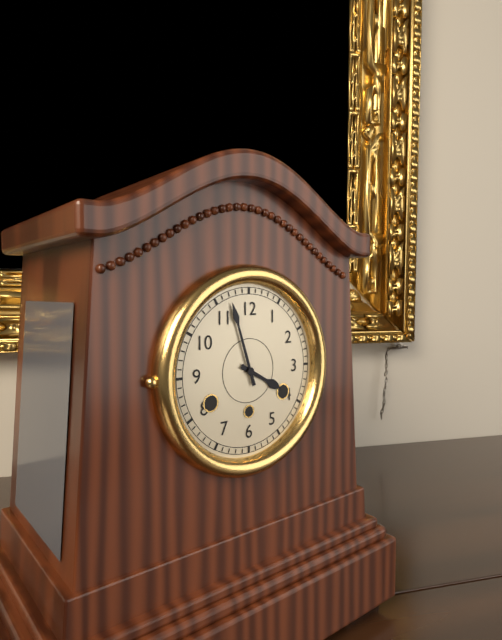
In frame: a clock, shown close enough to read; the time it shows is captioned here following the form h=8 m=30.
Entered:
h=3 m=57
